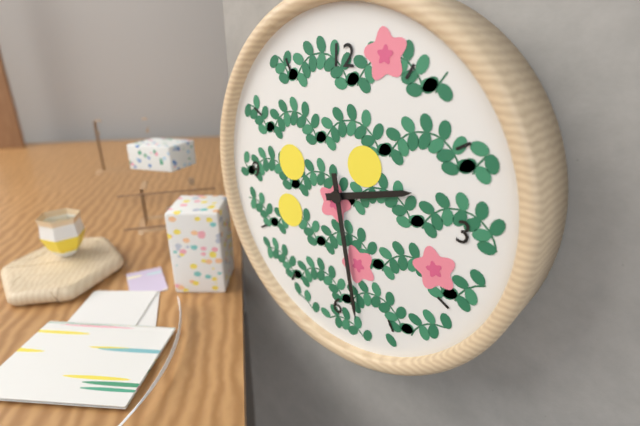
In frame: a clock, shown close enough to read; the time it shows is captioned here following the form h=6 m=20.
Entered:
h=2 m=28
